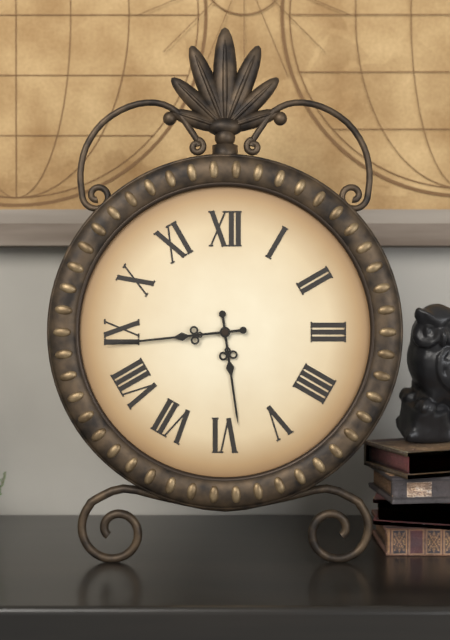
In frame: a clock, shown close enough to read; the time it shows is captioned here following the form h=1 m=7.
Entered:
h=5 m=44
